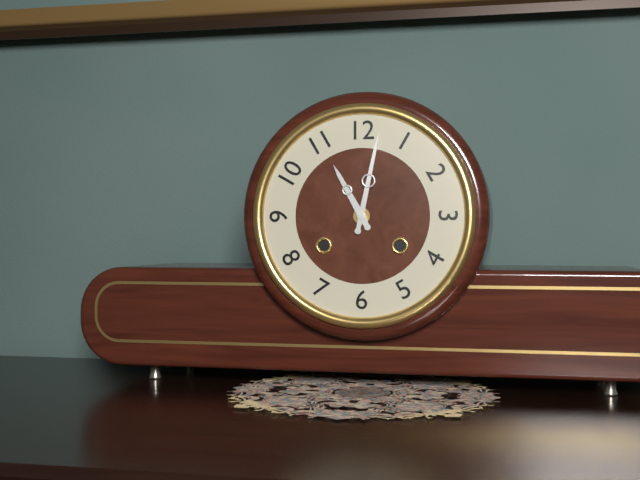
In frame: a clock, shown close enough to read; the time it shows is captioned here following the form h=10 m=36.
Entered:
h=11 m=2
